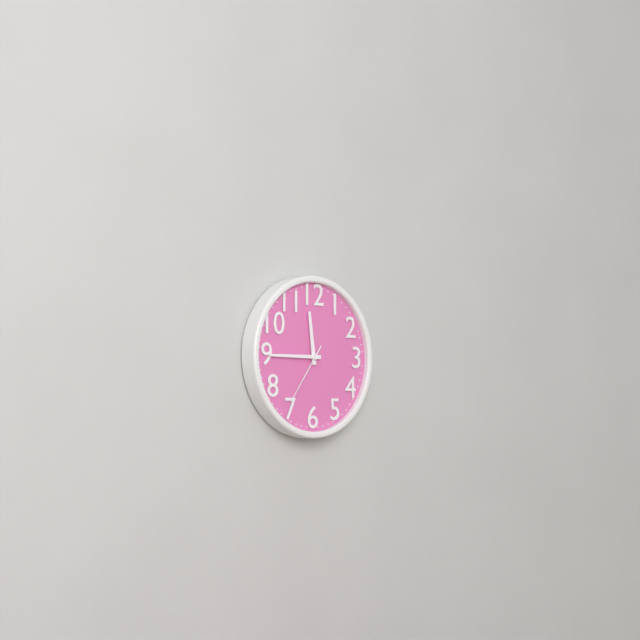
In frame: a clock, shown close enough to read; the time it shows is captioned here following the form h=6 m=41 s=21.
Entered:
h=11 m=45 s=36
